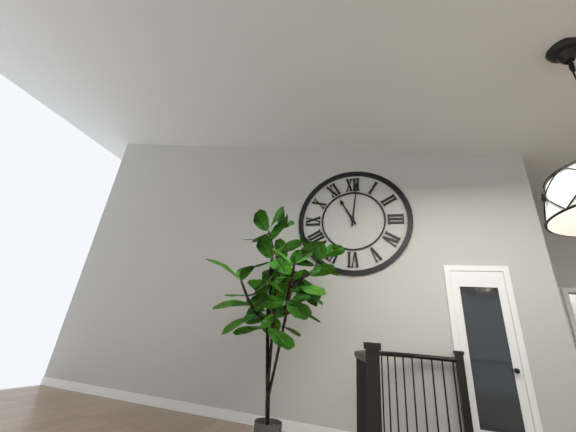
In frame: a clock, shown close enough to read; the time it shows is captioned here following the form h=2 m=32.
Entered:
h=11 m=1
